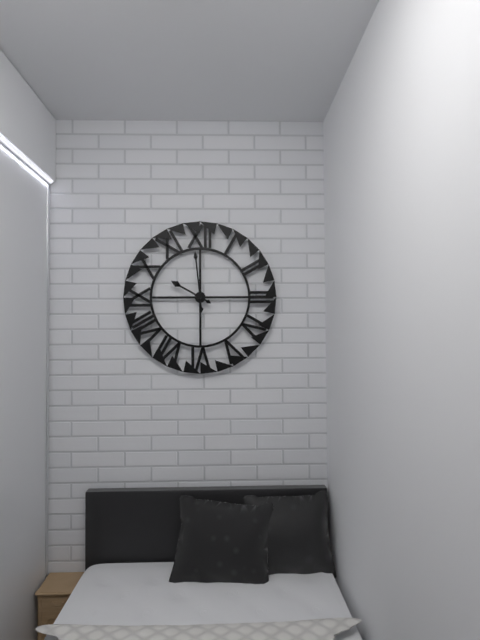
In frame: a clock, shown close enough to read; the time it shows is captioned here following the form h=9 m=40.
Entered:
h=9 m=59
